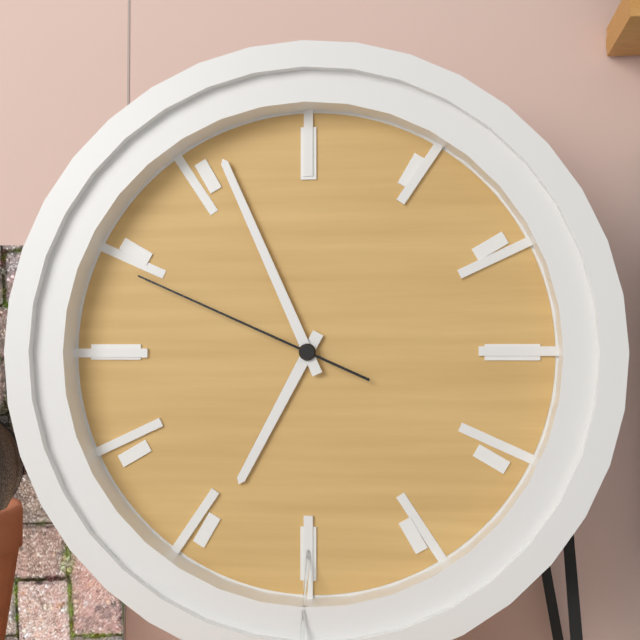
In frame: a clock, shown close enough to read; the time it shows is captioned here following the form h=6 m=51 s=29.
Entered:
h=6 m=56 s=49
